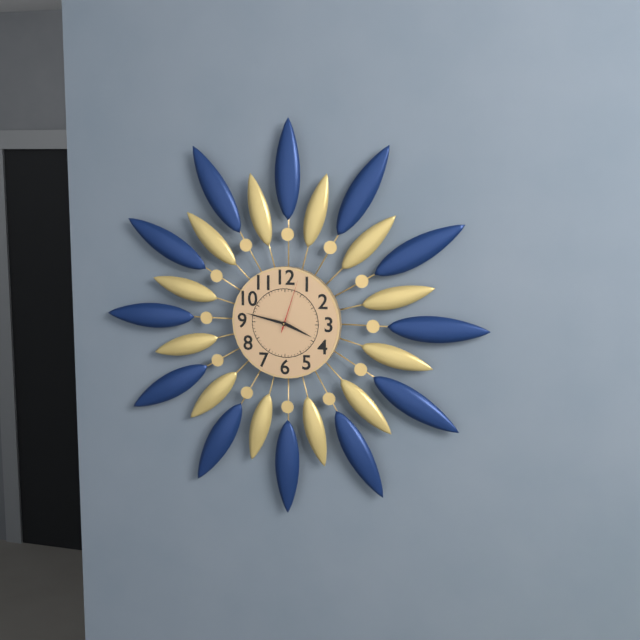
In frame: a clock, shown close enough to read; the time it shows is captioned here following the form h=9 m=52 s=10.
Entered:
h=3 m=47 s=3
